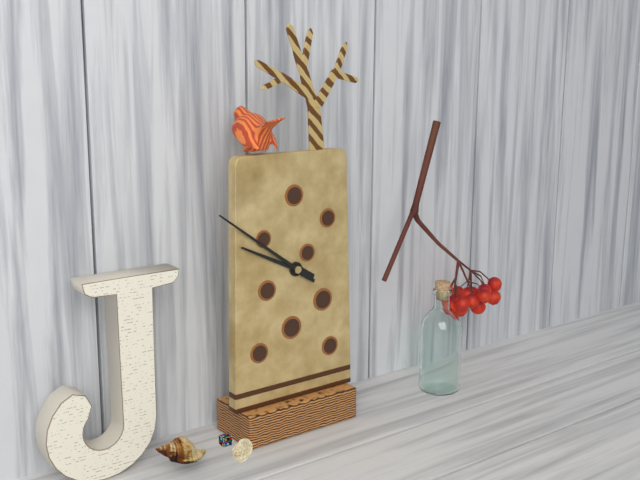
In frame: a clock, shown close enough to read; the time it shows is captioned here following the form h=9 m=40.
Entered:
h=9 m=51
